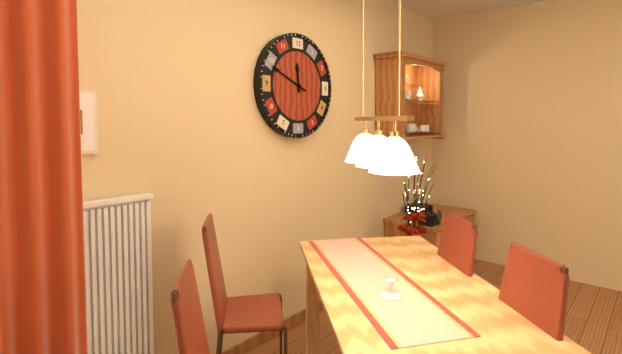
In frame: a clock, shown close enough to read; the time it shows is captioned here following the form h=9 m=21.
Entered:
h=11 m=49
